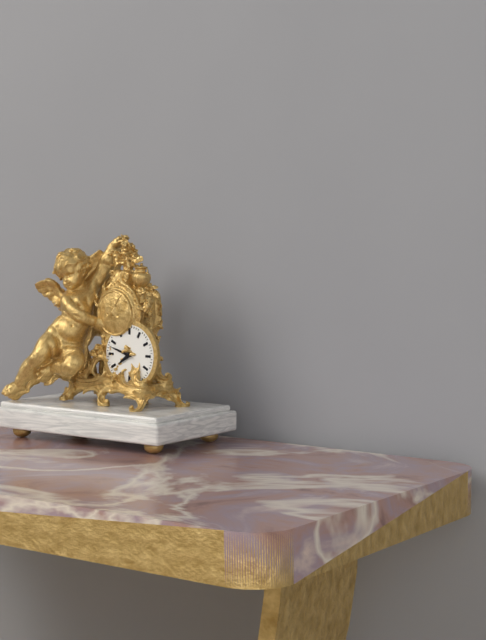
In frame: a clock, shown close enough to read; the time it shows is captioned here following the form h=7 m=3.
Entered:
h=7 m=48
